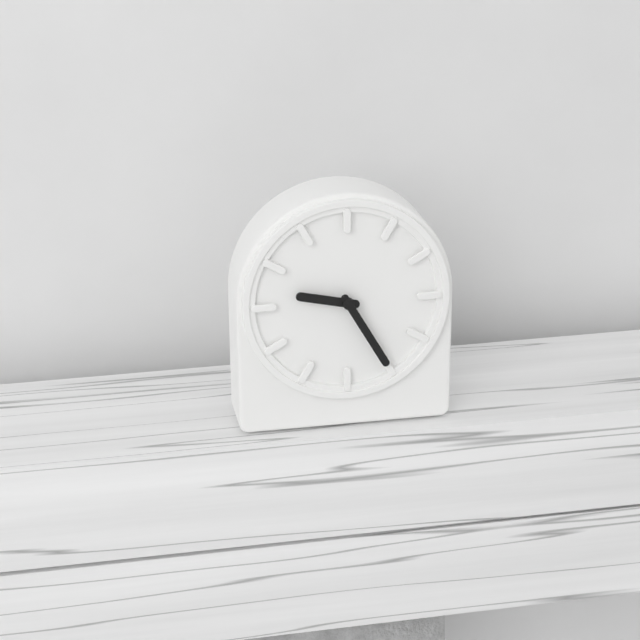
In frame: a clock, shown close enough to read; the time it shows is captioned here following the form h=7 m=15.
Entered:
h=9 m=25
